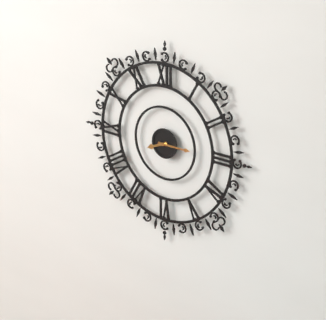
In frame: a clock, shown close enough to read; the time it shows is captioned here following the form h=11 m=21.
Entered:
h=8 m=15
